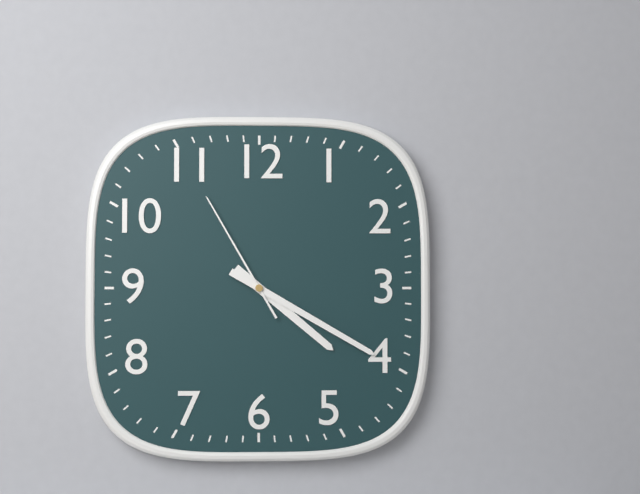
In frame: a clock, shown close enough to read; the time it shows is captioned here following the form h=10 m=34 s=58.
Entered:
h=4 m=20 s=55
